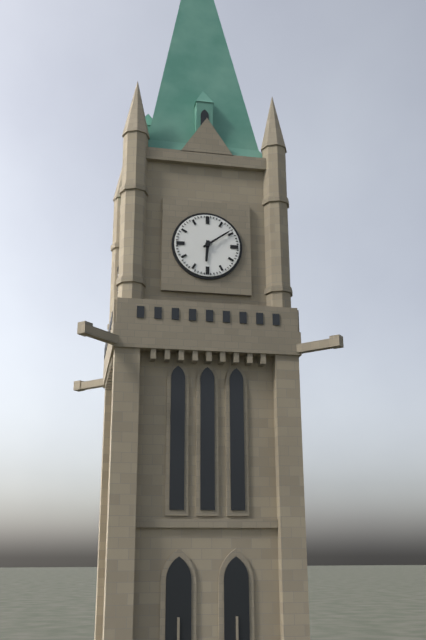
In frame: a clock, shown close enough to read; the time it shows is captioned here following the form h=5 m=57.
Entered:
h=6 m=9
